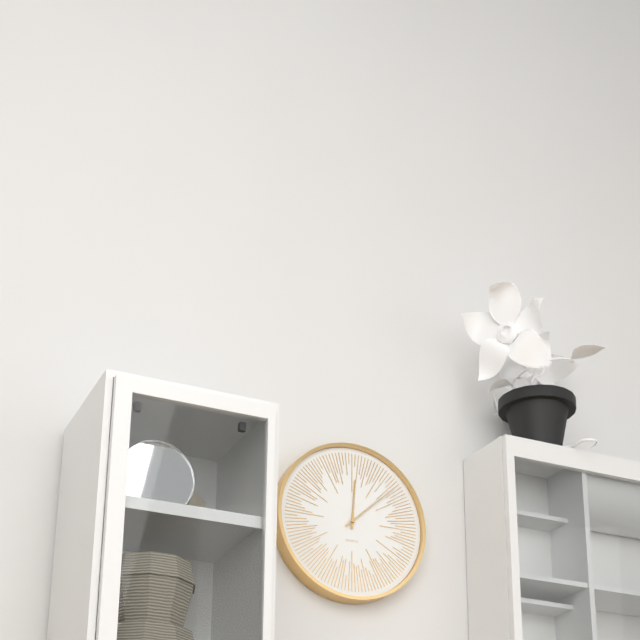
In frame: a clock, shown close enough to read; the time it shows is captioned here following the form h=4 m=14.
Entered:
h=12 m=8
